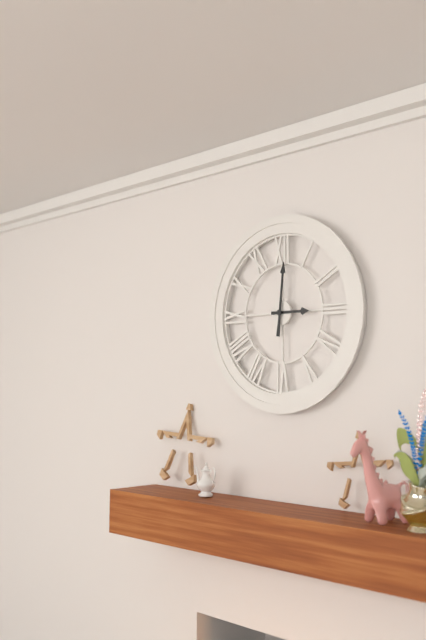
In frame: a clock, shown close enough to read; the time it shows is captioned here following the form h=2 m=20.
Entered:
h=3 m=1
